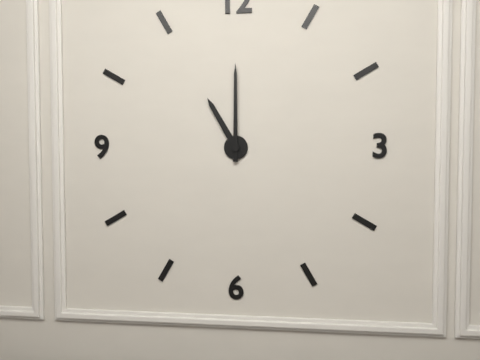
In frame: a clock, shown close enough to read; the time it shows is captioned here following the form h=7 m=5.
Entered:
h=11 m=0
